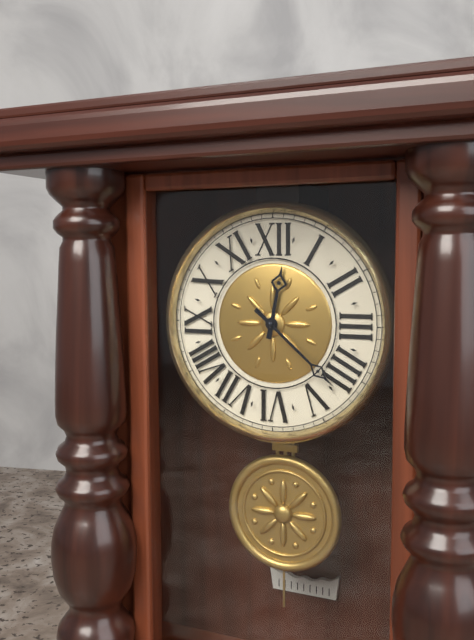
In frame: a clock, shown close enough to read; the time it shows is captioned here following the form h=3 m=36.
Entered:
h=12 m=22
